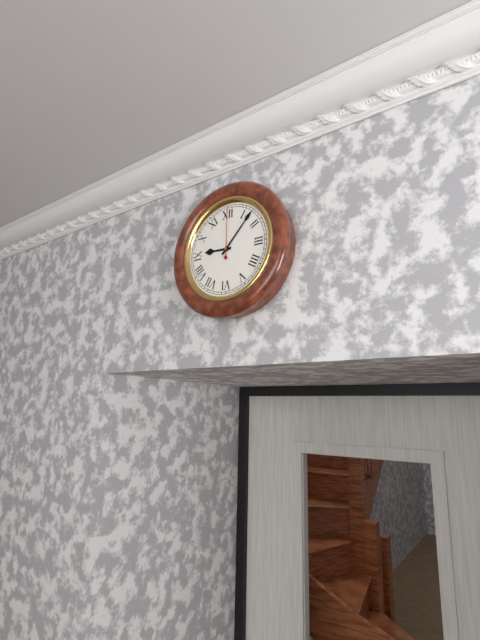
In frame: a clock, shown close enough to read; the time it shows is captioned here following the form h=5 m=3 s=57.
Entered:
h=9 m=7 s=0
